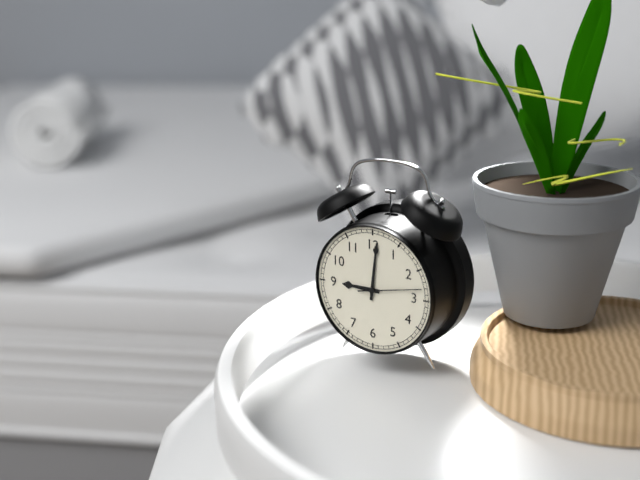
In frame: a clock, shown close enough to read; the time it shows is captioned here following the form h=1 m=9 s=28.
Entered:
h=9 m=1 s=13
